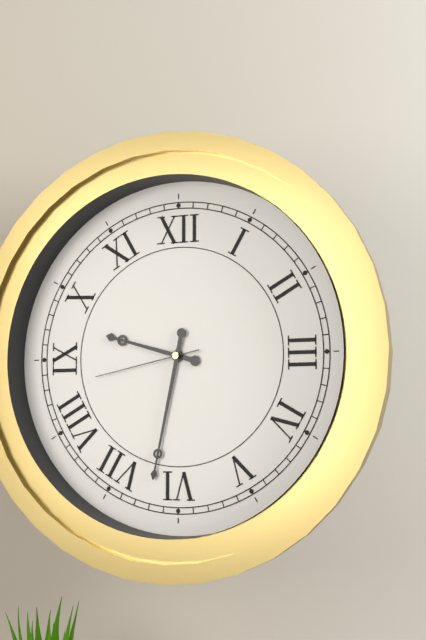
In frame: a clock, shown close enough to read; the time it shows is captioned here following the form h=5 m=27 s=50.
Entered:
h=9 m=32 s=43
